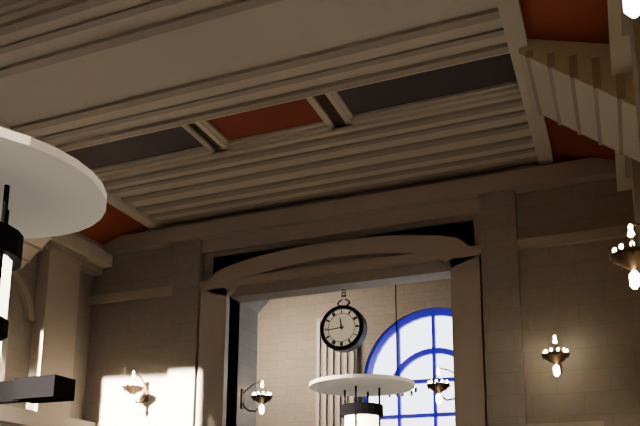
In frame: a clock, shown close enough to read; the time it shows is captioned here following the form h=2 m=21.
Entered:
h=11 m=44
